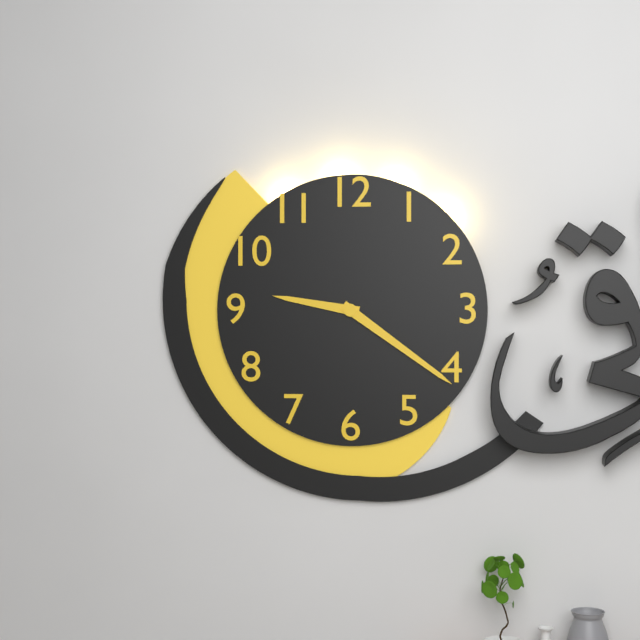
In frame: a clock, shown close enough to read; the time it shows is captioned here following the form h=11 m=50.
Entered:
h=9 m=21
